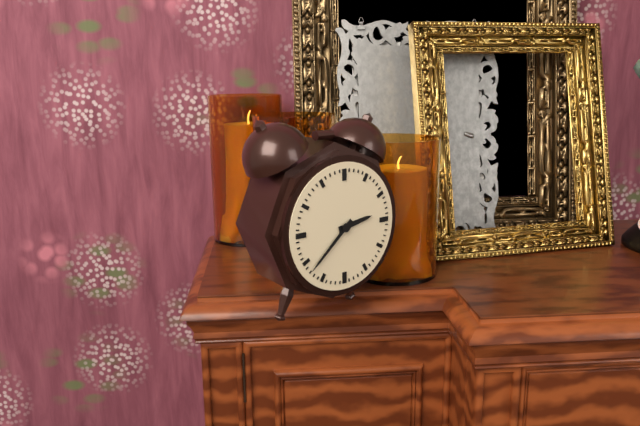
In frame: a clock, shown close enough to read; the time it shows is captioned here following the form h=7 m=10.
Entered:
h=2 m=38
